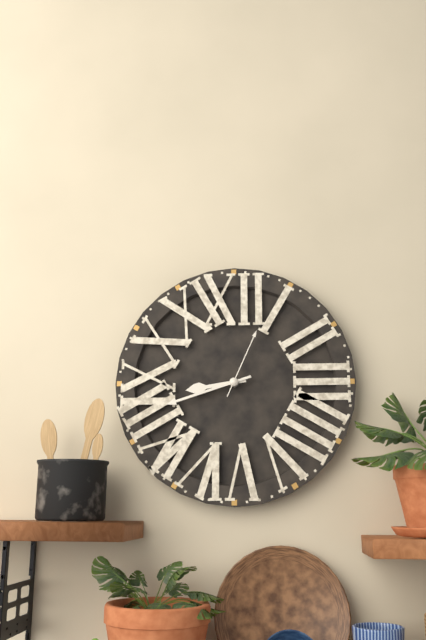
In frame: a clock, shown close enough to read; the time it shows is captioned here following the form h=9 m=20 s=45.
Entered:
h=8 m=42 s=4
